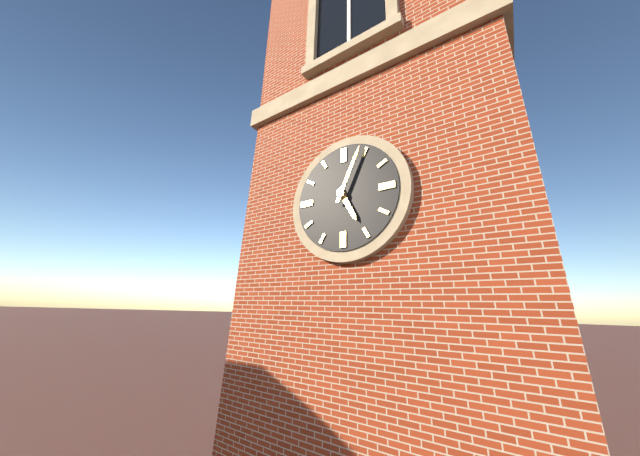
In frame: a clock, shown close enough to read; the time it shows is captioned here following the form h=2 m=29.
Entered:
h=5 m=4
